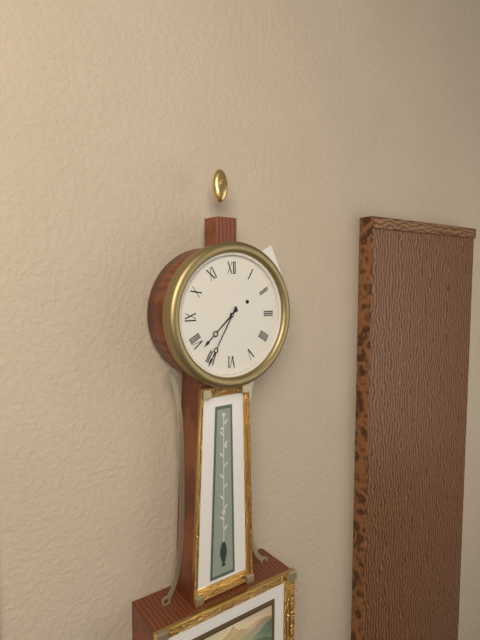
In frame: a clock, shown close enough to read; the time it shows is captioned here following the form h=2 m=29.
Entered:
h=7 m=35
